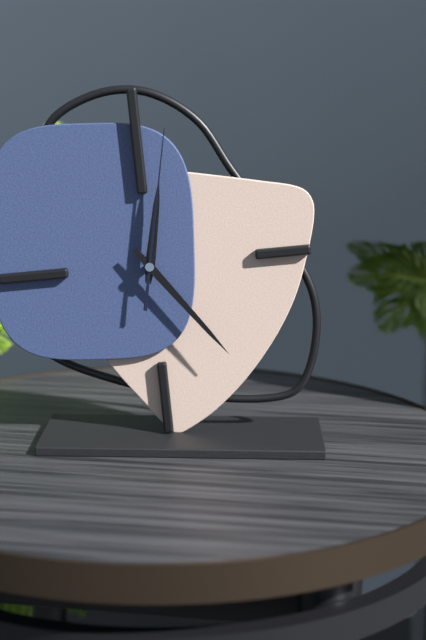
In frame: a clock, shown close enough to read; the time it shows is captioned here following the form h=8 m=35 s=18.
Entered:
h=12 m=24 s=2
